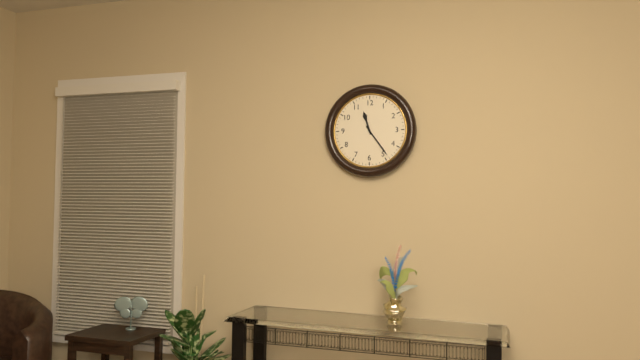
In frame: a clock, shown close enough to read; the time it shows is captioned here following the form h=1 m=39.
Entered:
h=11 m=24
